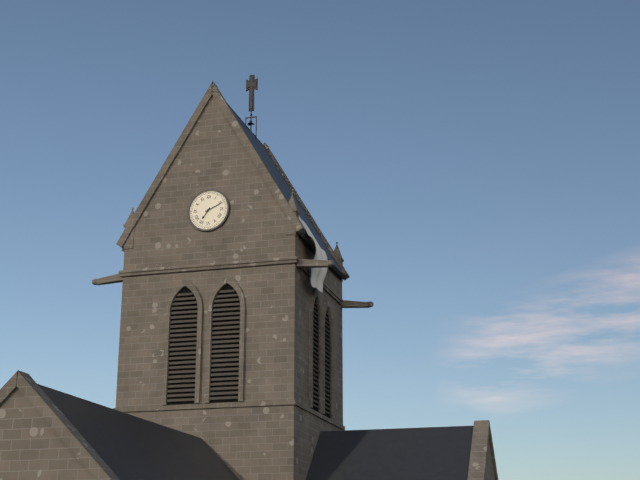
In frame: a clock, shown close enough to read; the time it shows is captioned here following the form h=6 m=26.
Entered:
h=7 m=11
